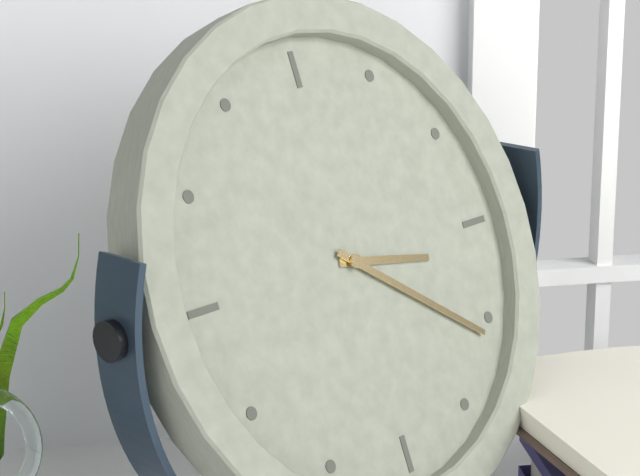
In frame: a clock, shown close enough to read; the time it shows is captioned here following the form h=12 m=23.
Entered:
h=3 m=21
